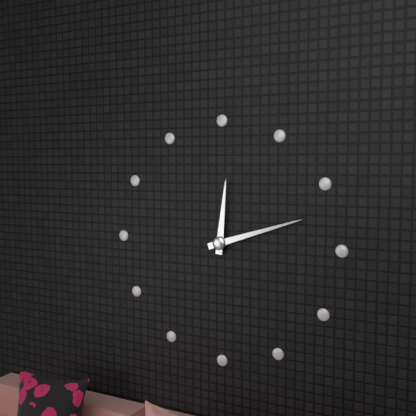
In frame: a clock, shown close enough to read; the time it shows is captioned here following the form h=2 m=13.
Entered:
h=12 m=12
